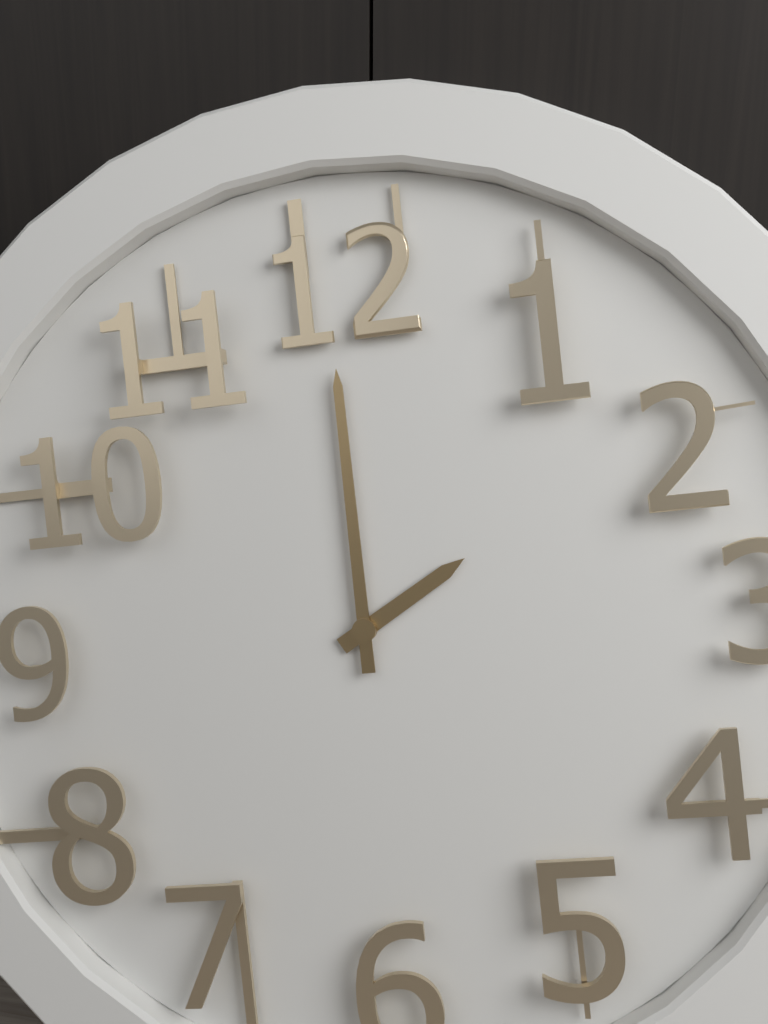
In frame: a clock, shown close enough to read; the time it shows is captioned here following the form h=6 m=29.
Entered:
h=2 m=0
